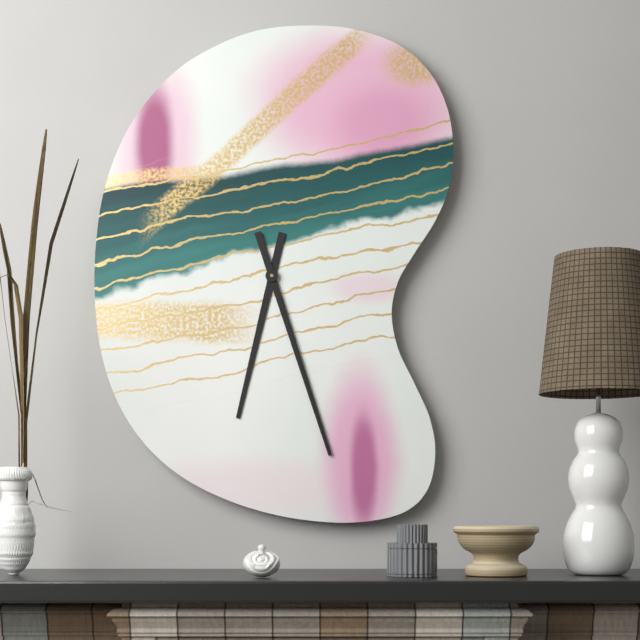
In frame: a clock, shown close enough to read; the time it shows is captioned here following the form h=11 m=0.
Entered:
h=6 m=27
